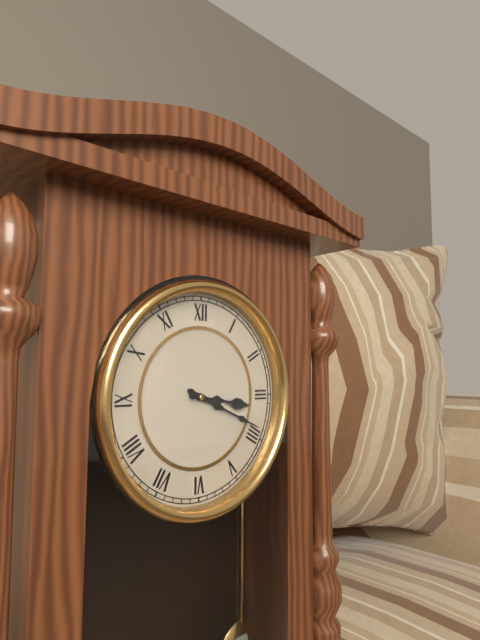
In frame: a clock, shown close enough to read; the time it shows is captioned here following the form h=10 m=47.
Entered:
h=3 m=19
